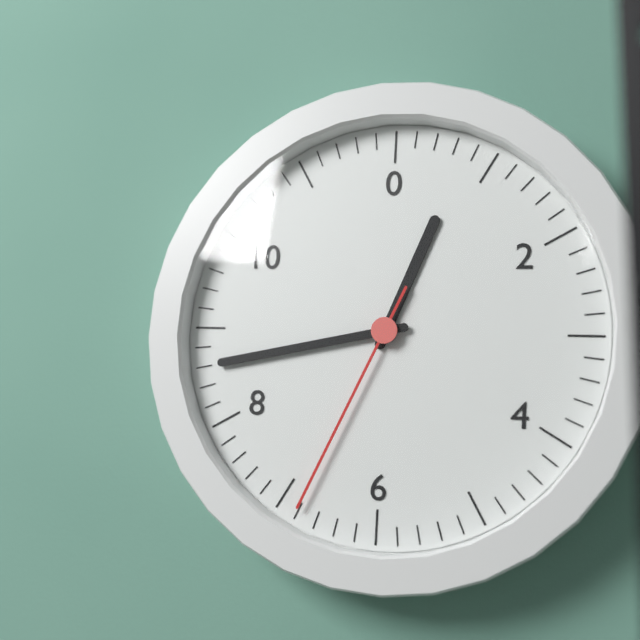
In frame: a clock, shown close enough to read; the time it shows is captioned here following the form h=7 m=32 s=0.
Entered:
h=12 m=43 s=34
